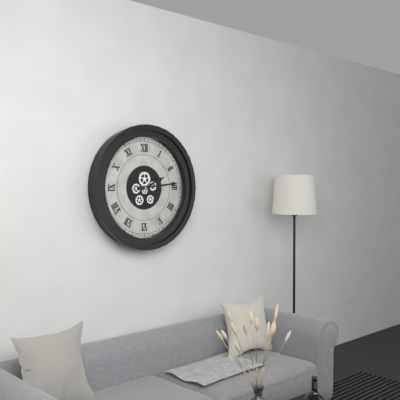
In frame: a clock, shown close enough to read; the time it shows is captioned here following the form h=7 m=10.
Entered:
h=2 m=14
